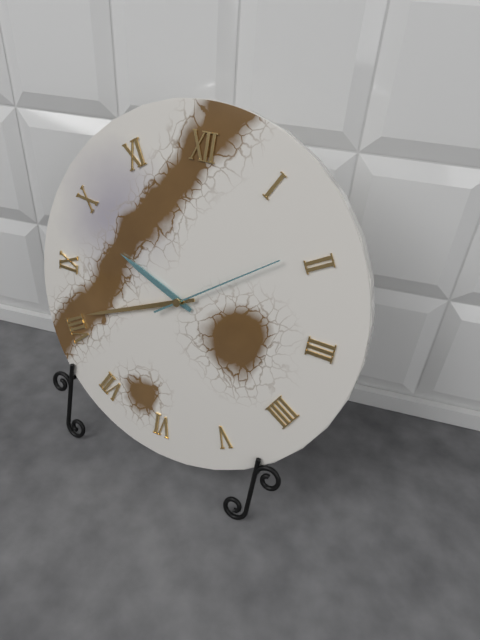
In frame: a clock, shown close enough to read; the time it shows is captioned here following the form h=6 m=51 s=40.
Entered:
h=9 m=41 s=9
